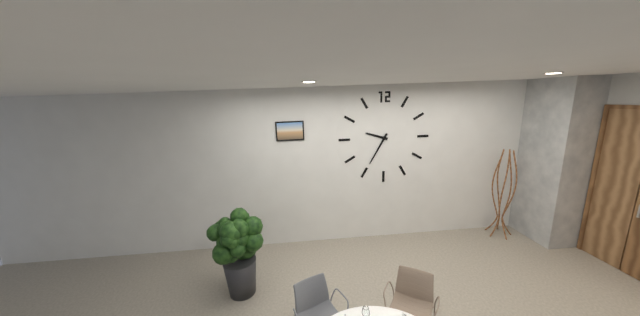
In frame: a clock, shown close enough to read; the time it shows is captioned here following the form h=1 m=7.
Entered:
h=9 m=35
